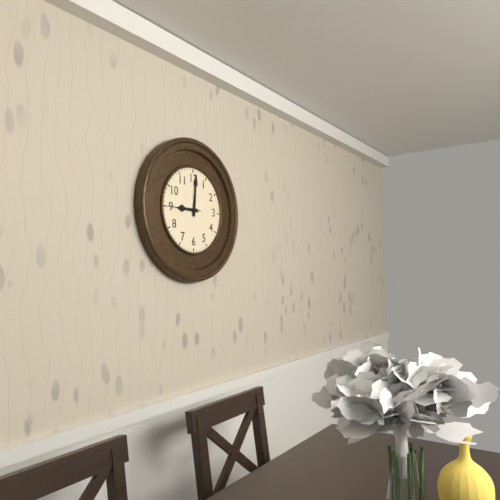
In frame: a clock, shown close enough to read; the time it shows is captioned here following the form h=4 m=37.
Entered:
h=9 m=1
